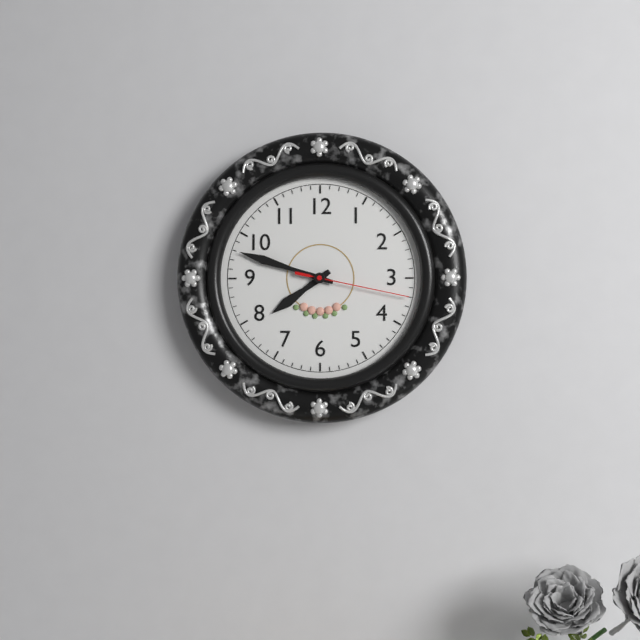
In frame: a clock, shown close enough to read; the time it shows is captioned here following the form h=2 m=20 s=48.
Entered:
h=7 m=48 s=17
